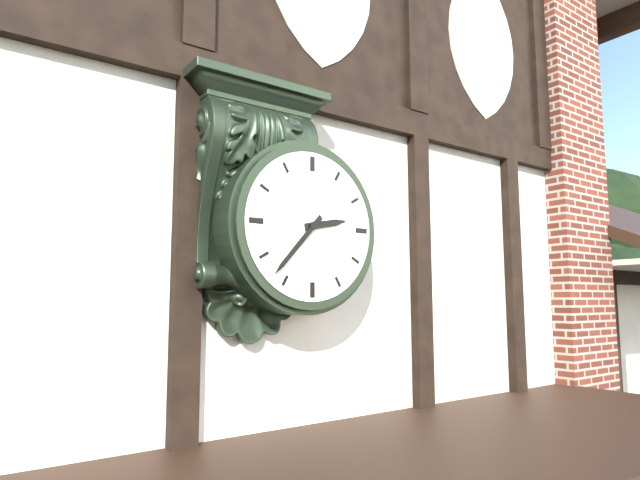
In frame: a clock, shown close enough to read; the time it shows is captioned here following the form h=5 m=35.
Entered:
h=2 m=37
